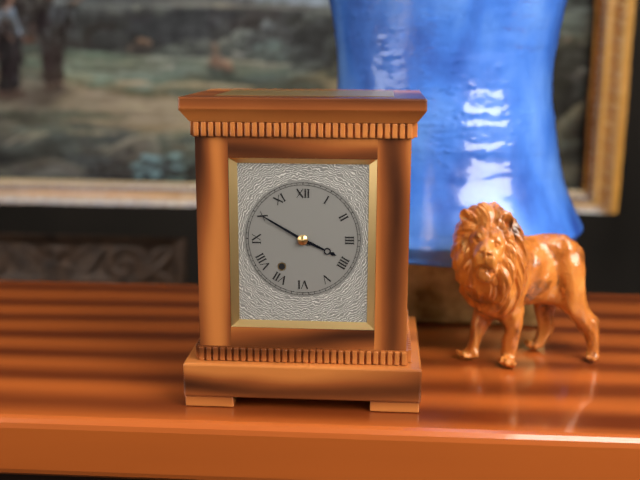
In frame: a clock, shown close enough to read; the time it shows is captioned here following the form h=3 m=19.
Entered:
h=3 m=50
